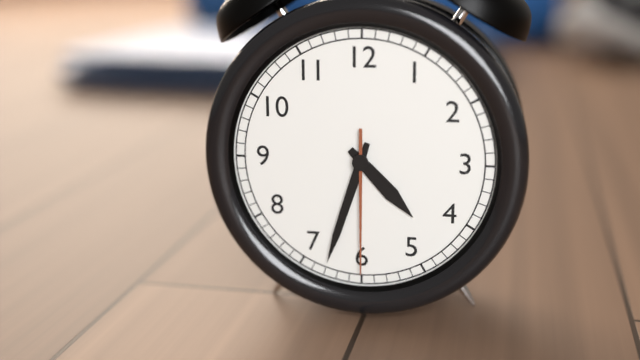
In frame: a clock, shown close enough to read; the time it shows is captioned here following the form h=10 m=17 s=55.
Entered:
h=4 m=33 s=30
